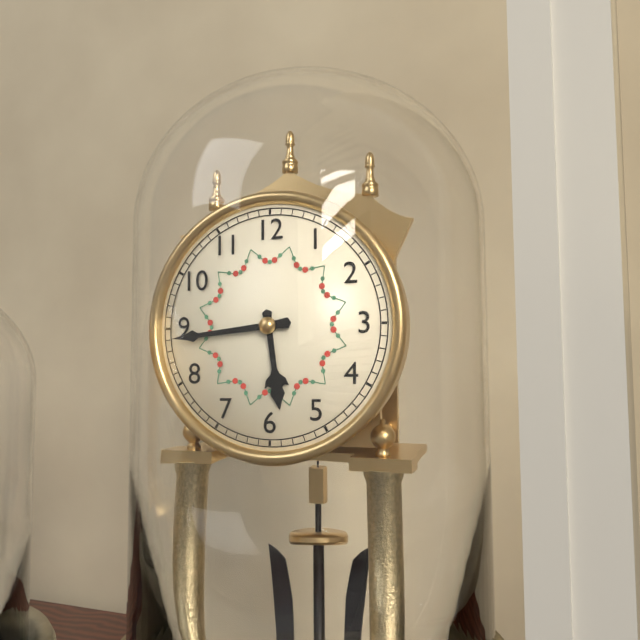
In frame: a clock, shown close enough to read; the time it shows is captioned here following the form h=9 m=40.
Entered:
h=5 m=44
